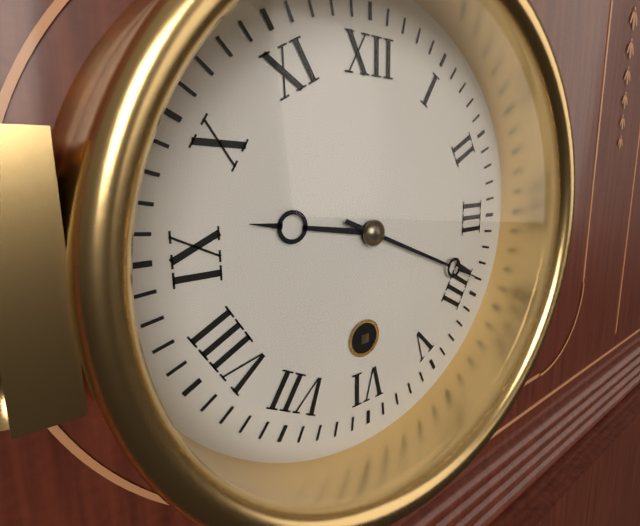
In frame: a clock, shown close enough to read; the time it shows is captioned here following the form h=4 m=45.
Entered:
h=9 m=19
